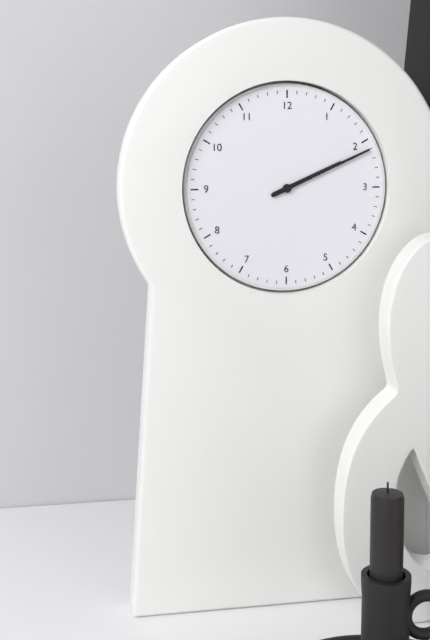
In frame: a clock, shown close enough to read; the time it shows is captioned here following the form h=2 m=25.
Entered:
h=2 m=11
